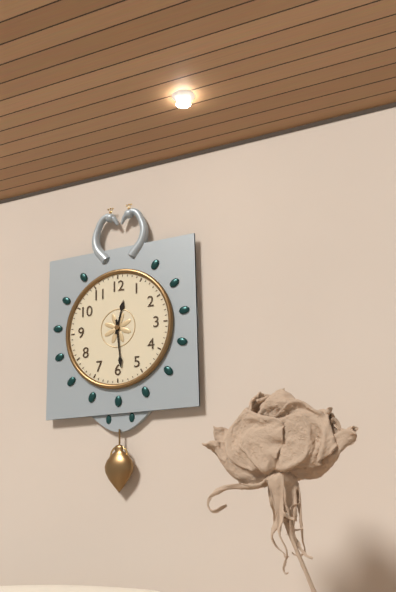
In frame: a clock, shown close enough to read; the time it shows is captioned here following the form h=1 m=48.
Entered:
h=12 m=29
